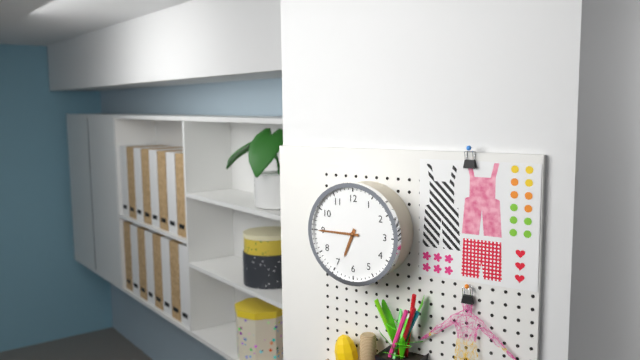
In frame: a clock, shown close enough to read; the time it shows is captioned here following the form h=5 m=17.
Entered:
h=6 m=45
